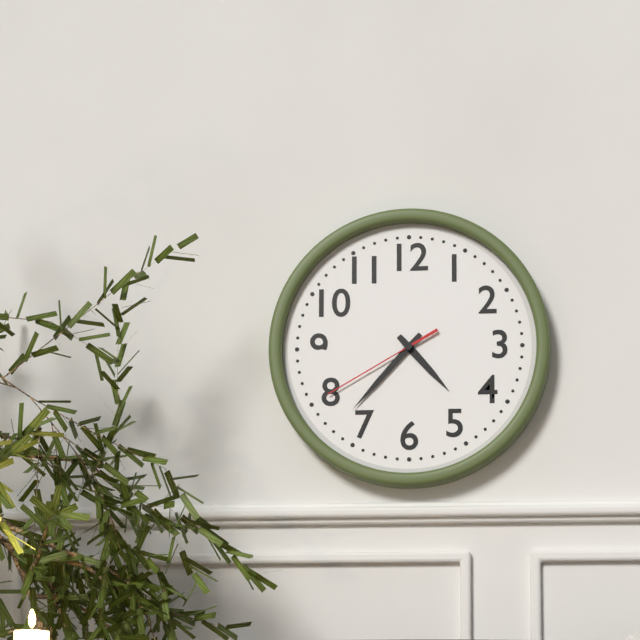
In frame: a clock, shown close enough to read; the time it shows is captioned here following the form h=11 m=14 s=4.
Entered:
h=4 m=37 s=40
